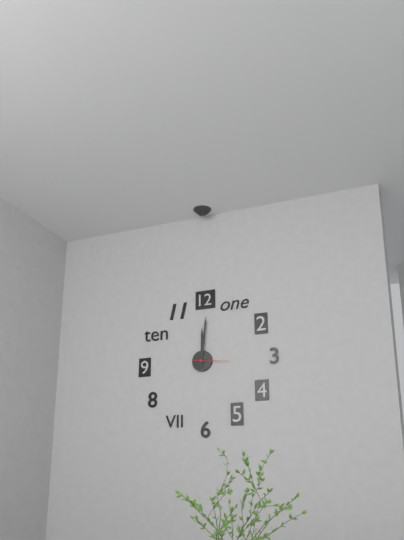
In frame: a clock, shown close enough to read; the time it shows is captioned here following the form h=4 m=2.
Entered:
h=12 m=1
